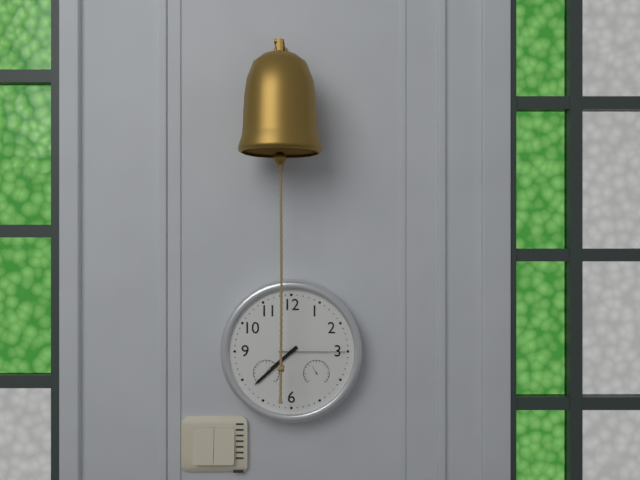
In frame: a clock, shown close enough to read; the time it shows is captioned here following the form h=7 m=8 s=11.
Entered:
h=7 m=38 s=15
